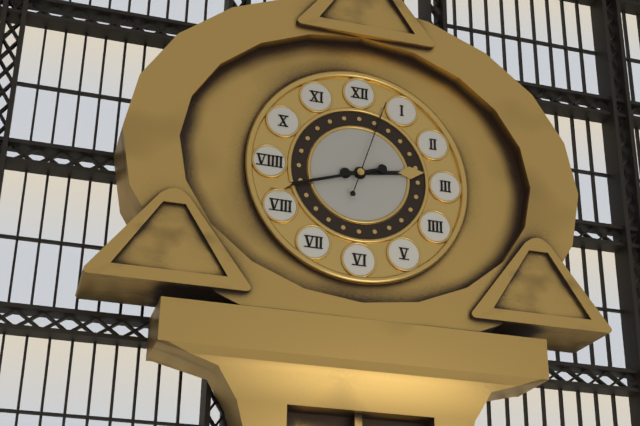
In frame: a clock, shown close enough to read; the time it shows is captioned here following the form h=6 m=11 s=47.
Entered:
h=2 m=42 s=3
